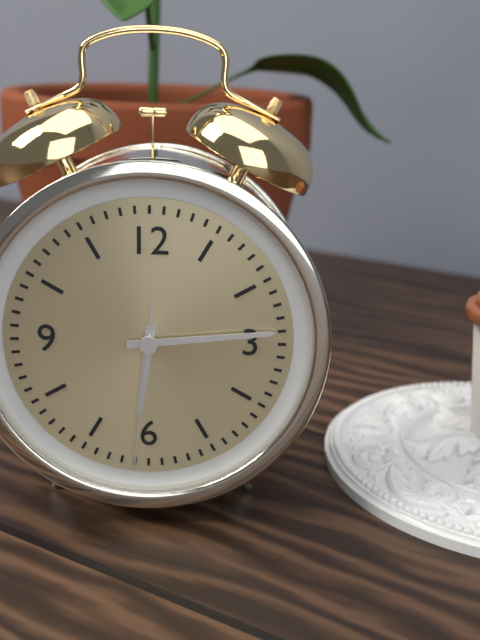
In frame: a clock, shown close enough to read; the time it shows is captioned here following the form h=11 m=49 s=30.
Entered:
h=6 m=14 s=31
